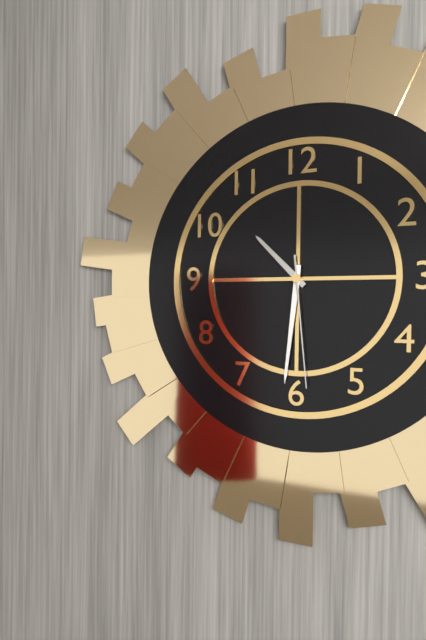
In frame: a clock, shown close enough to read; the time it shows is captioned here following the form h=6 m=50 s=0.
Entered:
h=10 m=31 s=29
